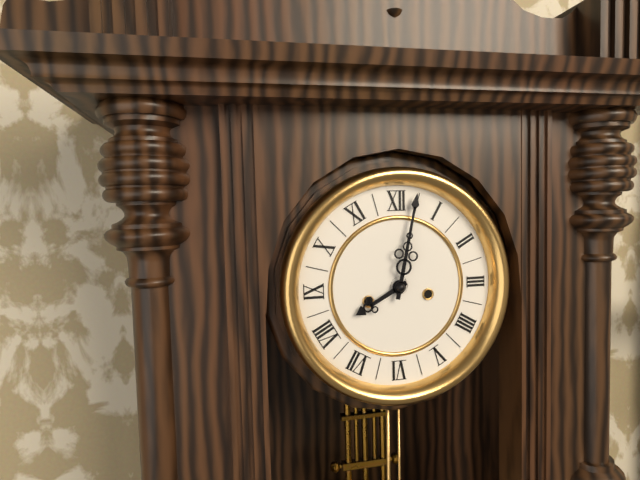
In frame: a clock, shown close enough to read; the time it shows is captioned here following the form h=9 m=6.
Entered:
h=8 m=2
